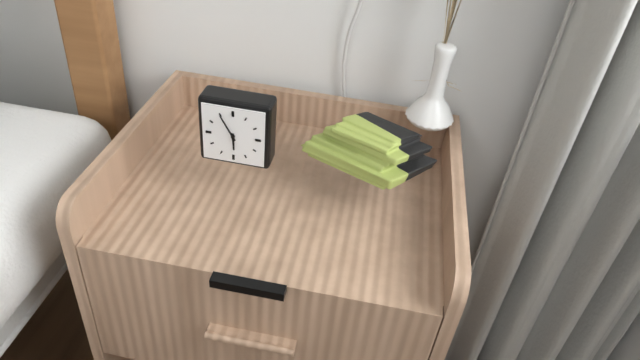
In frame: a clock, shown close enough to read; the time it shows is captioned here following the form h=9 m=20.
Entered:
h=5 m=55
